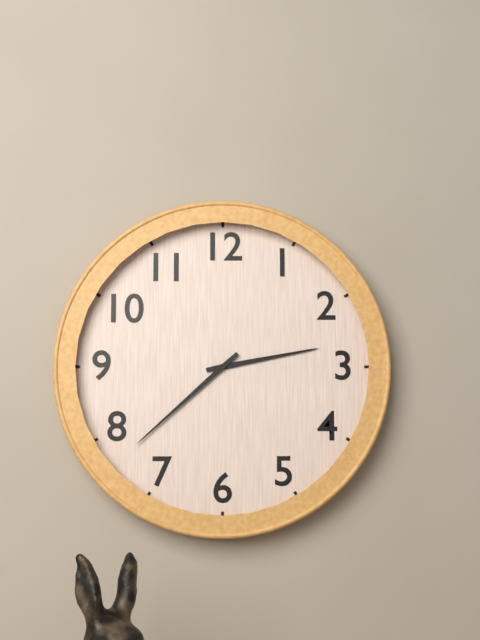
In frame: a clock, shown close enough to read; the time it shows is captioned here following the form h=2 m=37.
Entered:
h=2 m=38
